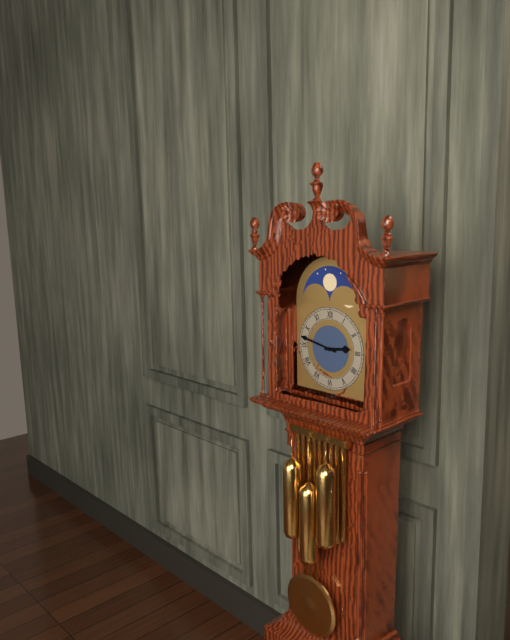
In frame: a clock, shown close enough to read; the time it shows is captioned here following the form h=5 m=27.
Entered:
h=2 m=47
